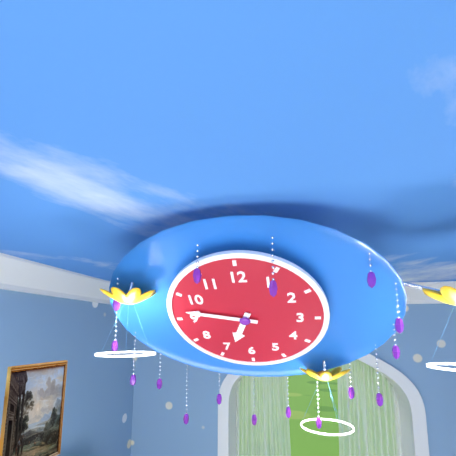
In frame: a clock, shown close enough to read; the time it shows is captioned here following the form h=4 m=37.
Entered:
h=6 m=47
